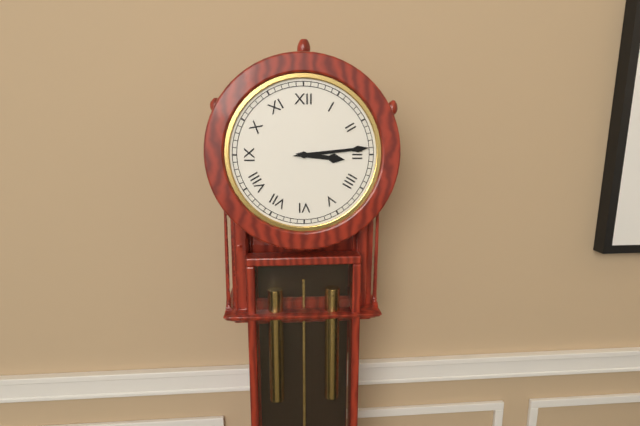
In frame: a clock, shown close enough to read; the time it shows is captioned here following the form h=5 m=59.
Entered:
h=3 m=14
